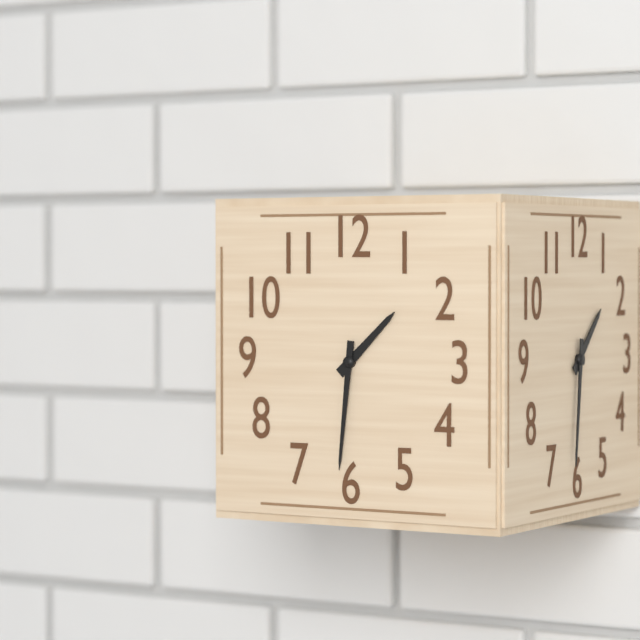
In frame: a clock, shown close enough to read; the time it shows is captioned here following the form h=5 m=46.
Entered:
h=1 m=31
